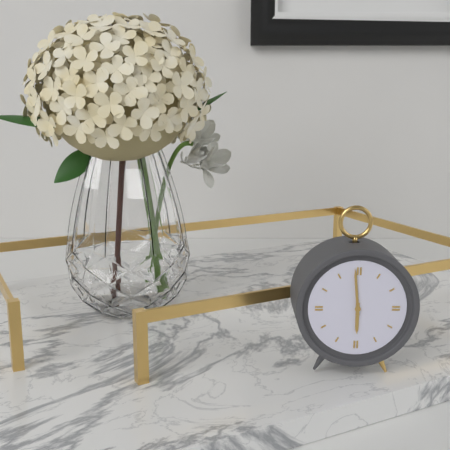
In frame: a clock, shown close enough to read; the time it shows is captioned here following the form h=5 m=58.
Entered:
h=5 m=59
